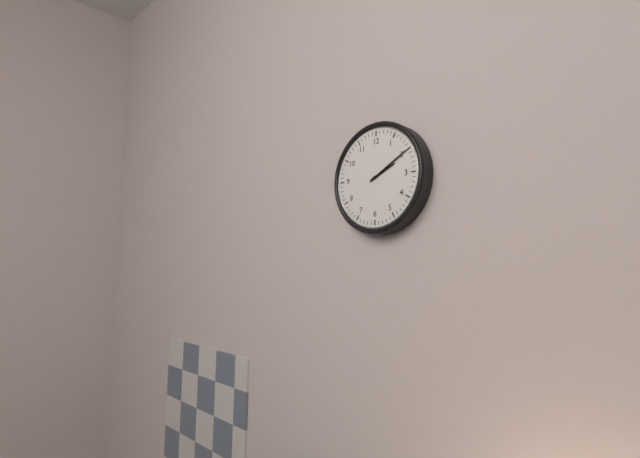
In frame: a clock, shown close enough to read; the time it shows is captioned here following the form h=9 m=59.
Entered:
h=2 m=10
